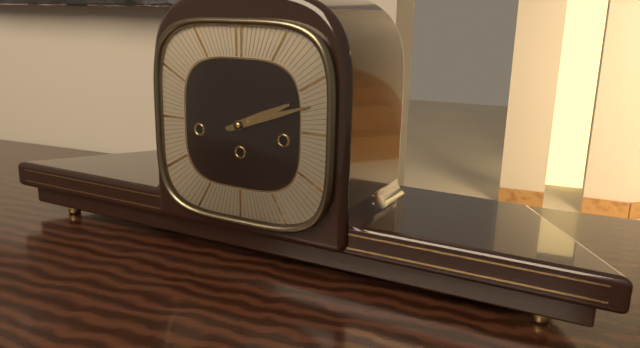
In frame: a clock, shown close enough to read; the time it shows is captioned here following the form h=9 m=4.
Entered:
h=2 m=12
